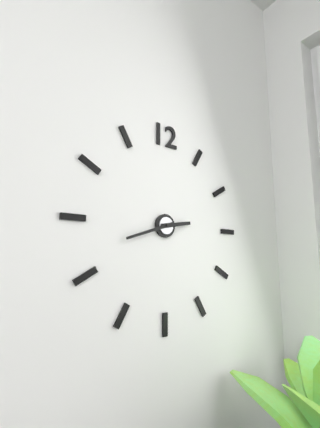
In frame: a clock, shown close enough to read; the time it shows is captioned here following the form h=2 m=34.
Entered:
h=2 m=42
